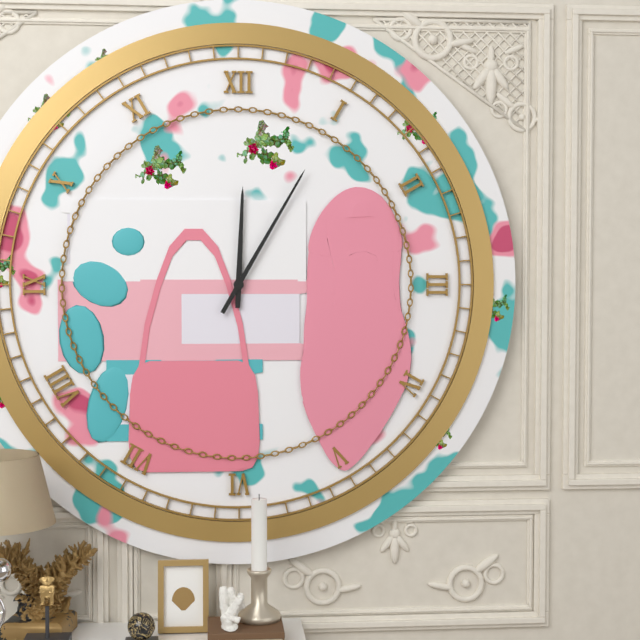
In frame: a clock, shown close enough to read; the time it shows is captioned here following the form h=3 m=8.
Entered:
h=12 m=5
